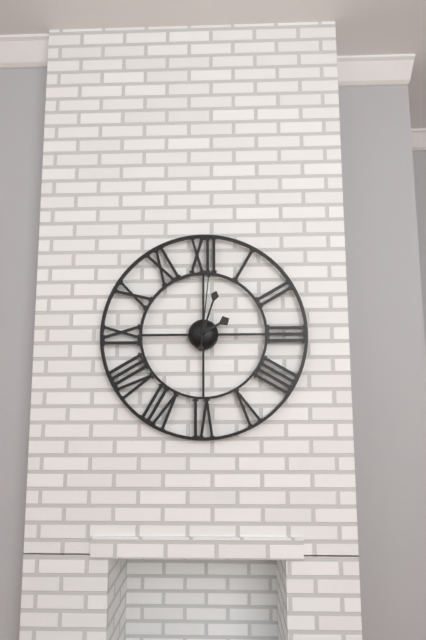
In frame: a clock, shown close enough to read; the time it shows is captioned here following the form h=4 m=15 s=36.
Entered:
h=2 m=3 s=1
